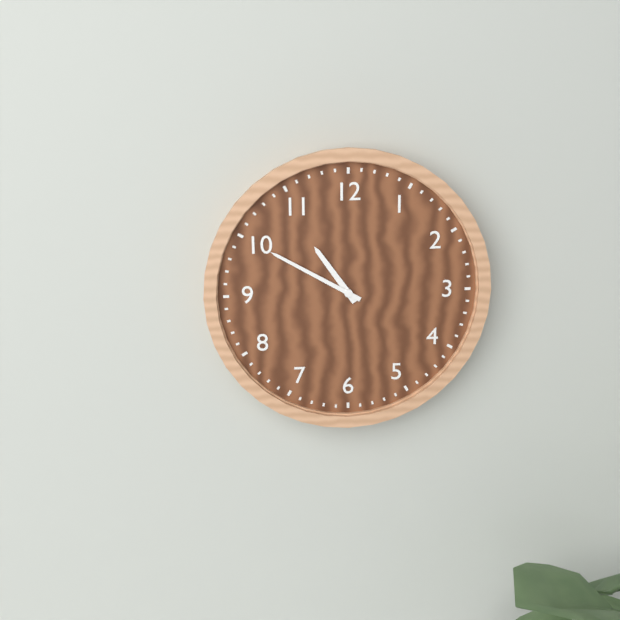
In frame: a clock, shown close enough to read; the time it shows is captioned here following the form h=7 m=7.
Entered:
h=10 m=50
